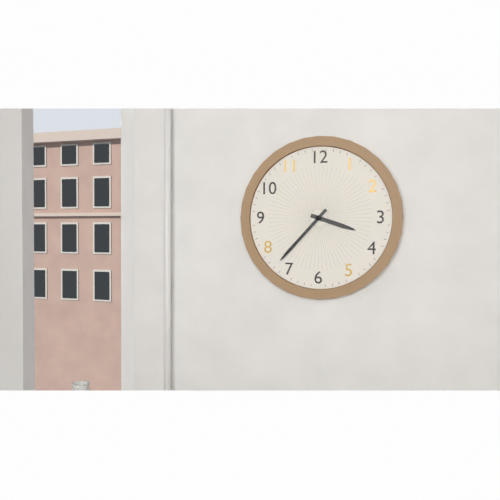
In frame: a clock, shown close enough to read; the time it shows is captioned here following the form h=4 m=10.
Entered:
h=3 m=37
